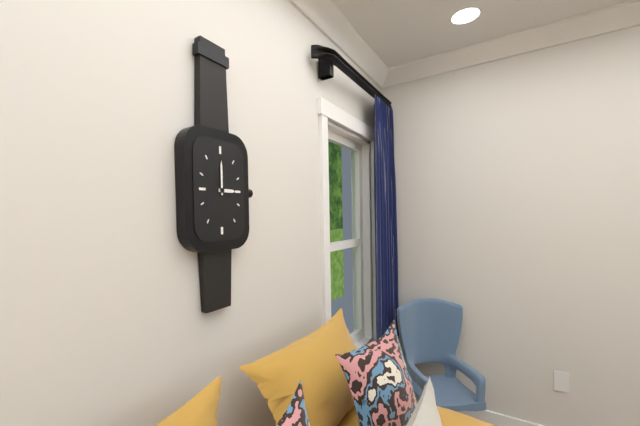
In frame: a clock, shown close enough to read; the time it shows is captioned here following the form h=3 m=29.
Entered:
h=3 m=0
